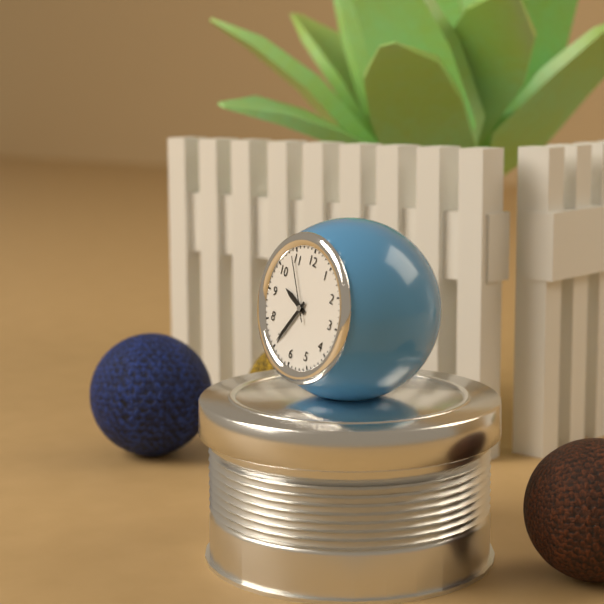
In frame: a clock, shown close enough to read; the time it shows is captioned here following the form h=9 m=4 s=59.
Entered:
h=9 m=35 s=54
